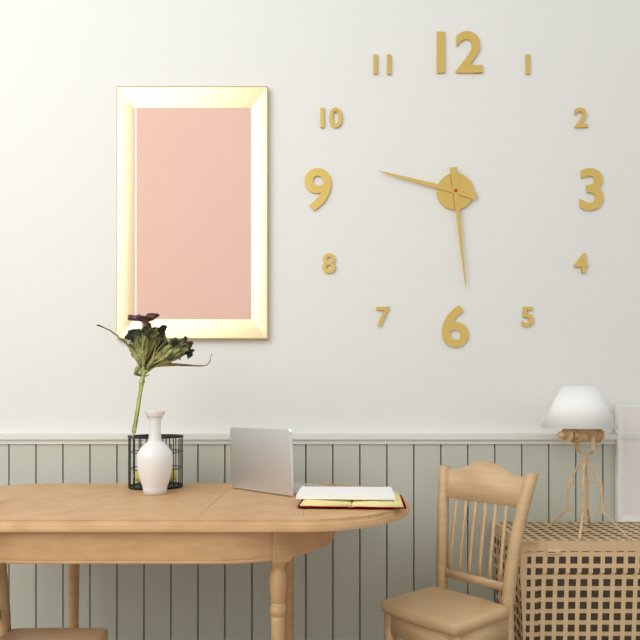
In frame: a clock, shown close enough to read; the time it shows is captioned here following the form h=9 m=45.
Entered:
h=9 m=29
